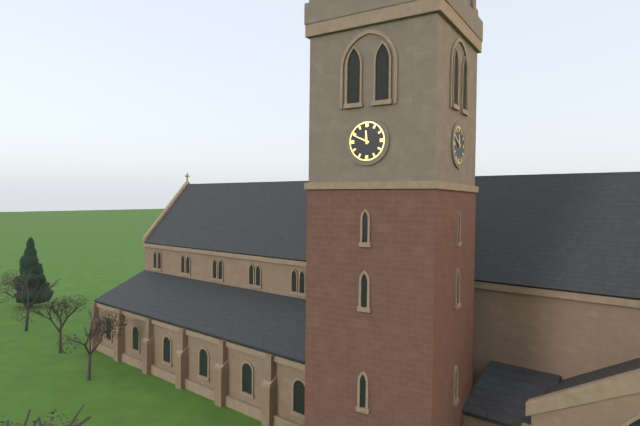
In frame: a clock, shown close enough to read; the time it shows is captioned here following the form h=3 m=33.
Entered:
h=11 m=49
